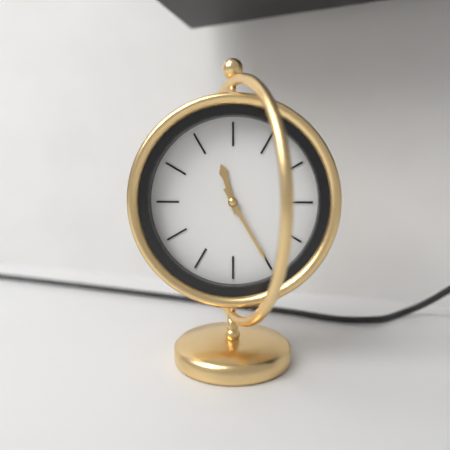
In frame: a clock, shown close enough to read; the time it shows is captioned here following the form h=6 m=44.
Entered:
h=11 m=25
